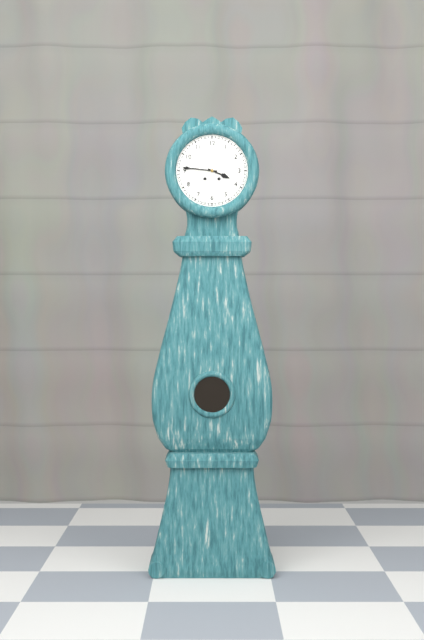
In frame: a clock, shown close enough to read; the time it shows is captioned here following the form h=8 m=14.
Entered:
h=3 m=46
